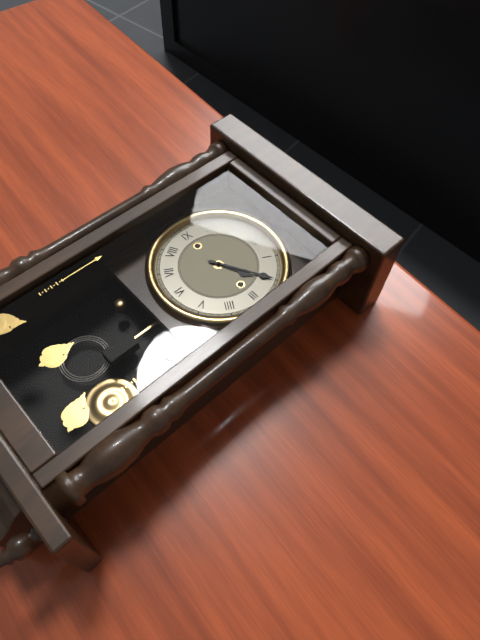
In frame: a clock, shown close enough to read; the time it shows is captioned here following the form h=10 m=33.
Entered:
h=2 m=10
